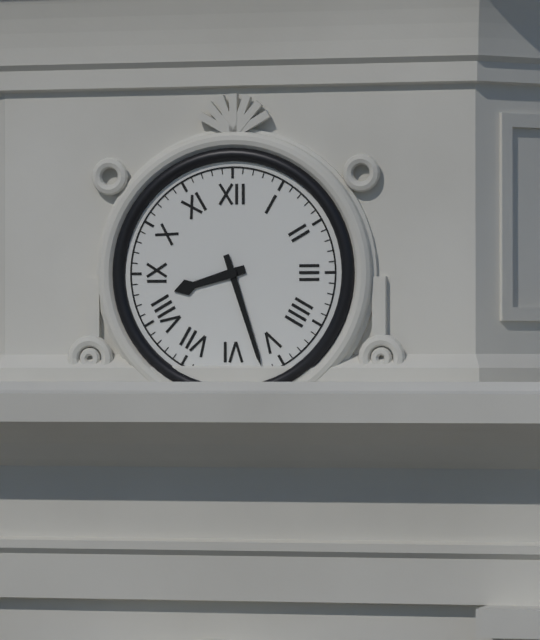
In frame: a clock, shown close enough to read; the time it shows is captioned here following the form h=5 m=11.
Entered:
h=8 m=27
